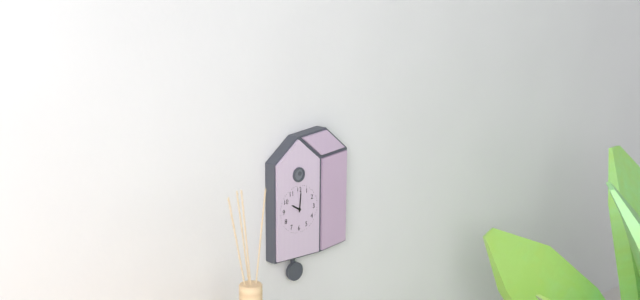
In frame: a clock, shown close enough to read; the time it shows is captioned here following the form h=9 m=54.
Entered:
h=10 m=1
